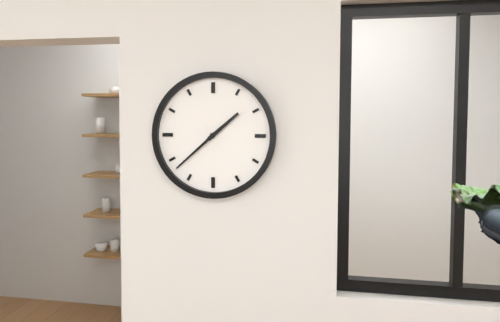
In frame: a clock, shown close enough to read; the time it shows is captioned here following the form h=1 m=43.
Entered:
h=1 m=38
